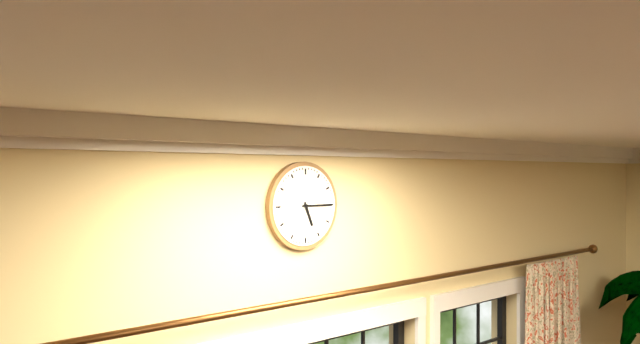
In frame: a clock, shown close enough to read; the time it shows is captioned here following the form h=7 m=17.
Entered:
h=5 m=15
